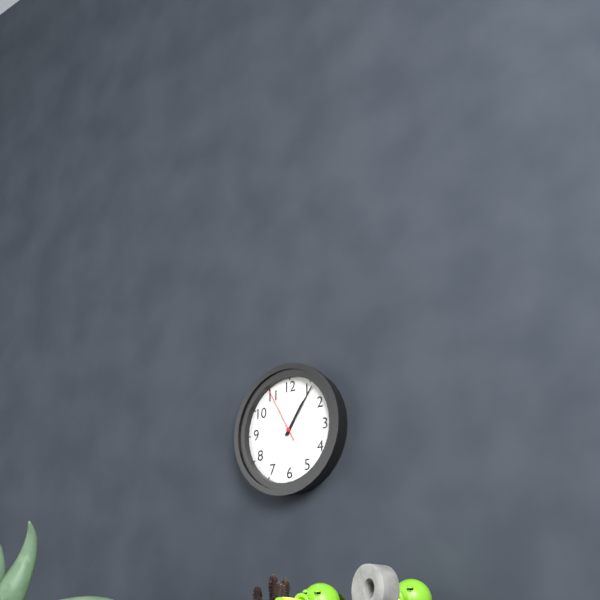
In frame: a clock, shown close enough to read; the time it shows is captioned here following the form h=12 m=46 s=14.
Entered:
h=1 m=6 s=55
